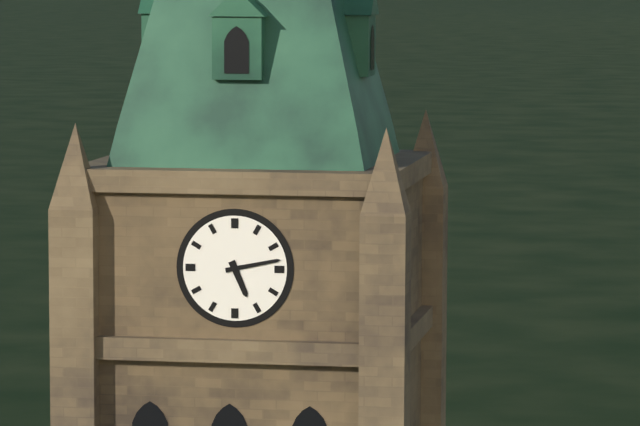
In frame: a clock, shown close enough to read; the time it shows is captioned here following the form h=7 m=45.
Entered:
h=5 m=13
